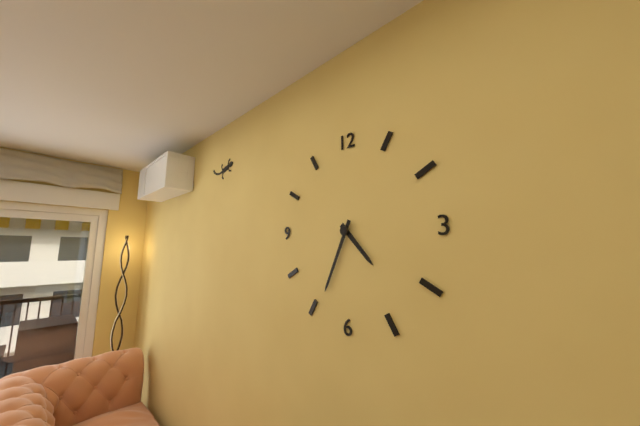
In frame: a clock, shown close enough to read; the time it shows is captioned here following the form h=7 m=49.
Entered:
h=4 m=34
